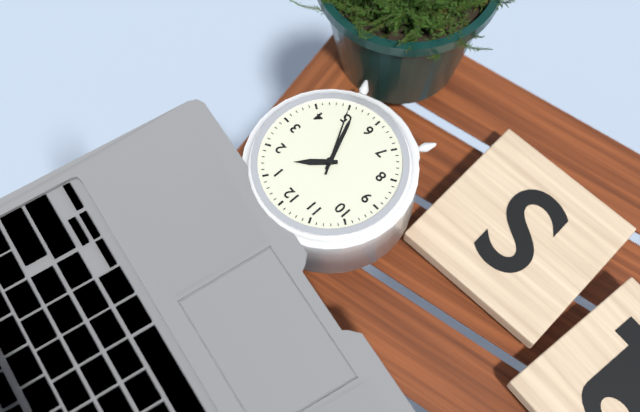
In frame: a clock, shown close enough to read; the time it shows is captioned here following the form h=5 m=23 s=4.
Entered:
h=1 m=26 s=25
